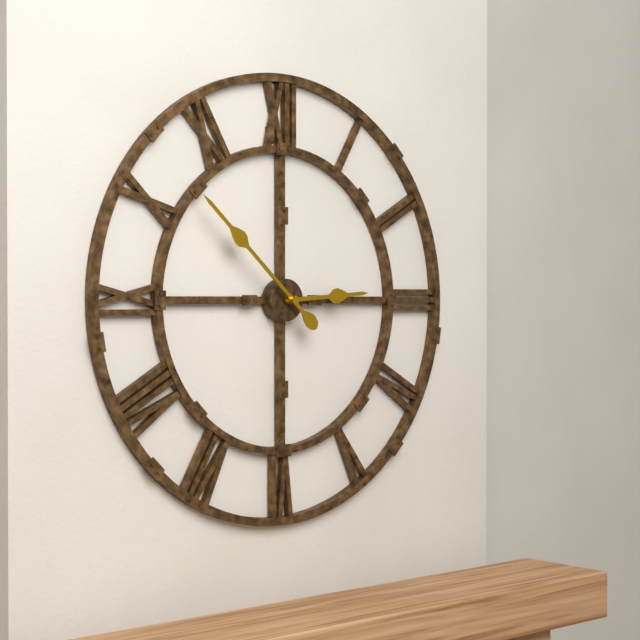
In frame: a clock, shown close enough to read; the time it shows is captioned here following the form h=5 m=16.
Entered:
h=2 m=52
